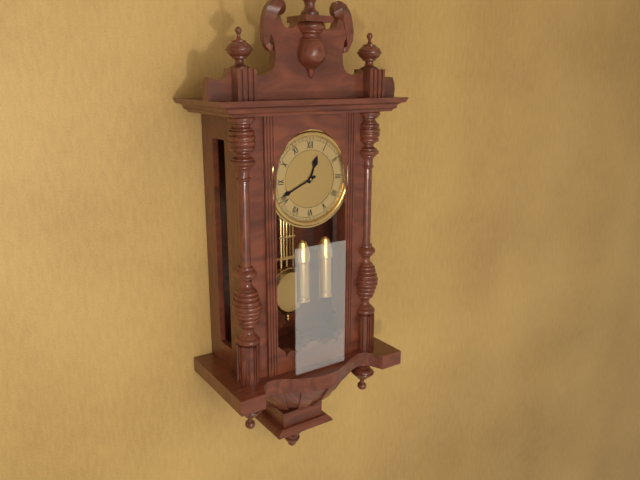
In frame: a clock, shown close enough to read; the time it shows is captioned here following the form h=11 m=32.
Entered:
h=12 m=41
